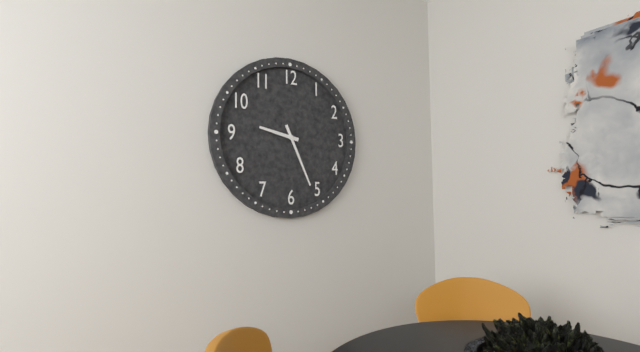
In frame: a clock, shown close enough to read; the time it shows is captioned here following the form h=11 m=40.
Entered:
h=9 m=26
